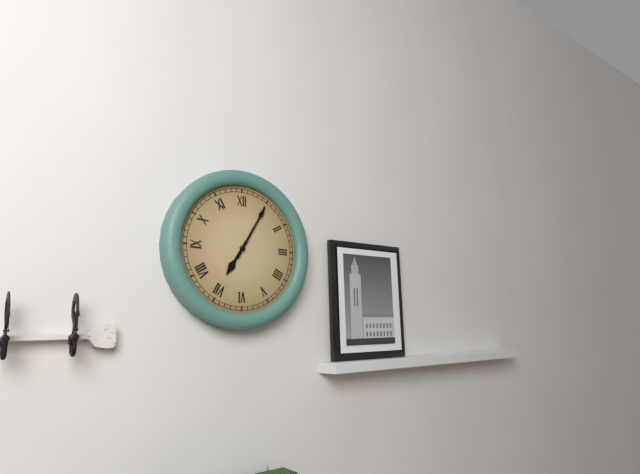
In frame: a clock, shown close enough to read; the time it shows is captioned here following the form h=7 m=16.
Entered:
h=7 m=5
